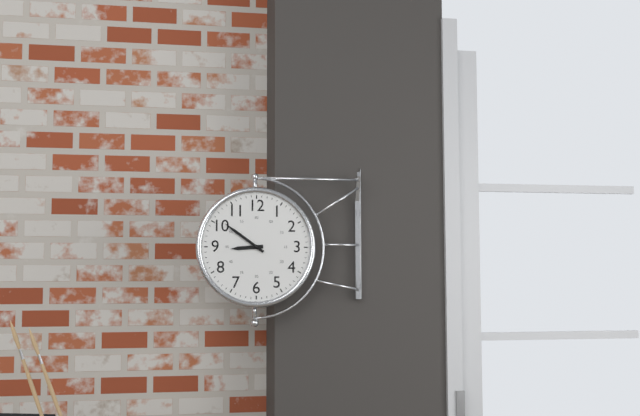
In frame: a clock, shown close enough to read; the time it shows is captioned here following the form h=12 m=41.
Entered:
h=8 m=51
